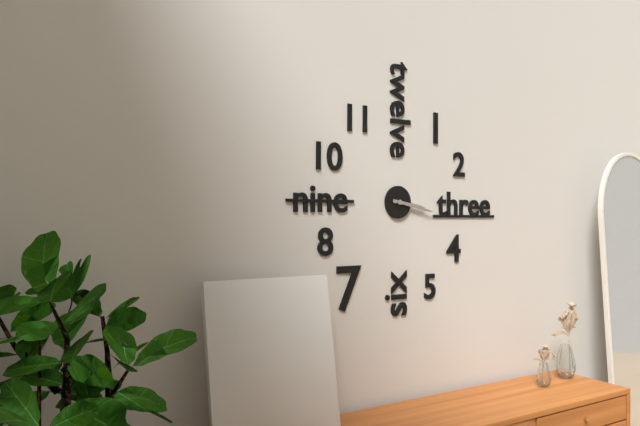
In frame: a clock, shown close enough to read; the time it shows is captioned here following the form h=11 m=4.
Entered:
h=3 m=17
